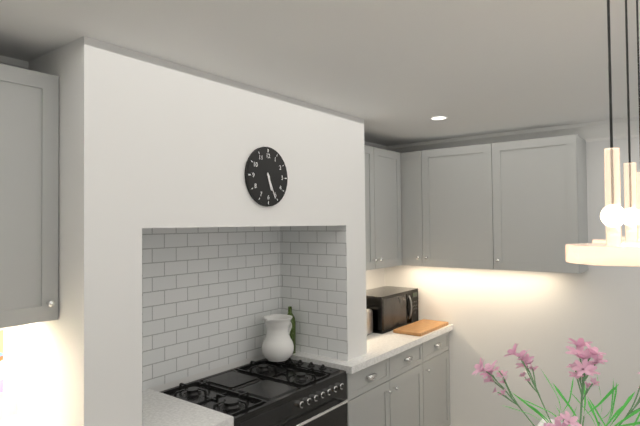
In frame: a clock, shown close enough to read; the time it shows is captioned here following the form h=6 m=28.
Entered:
h=5 m=26
